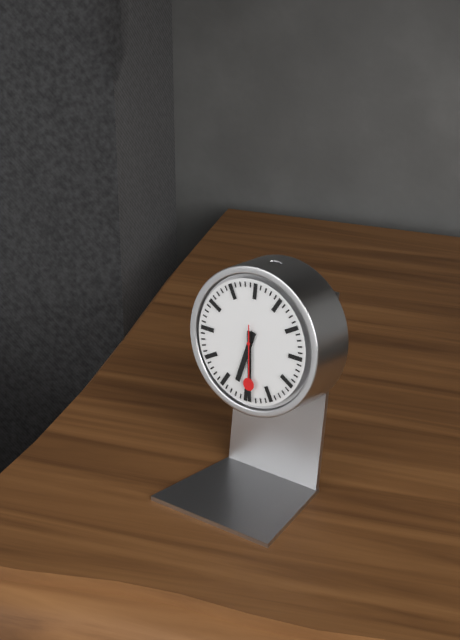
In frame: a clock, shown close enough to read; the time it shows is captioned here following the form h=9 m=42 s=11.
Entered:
h=6 m=29 s=29
